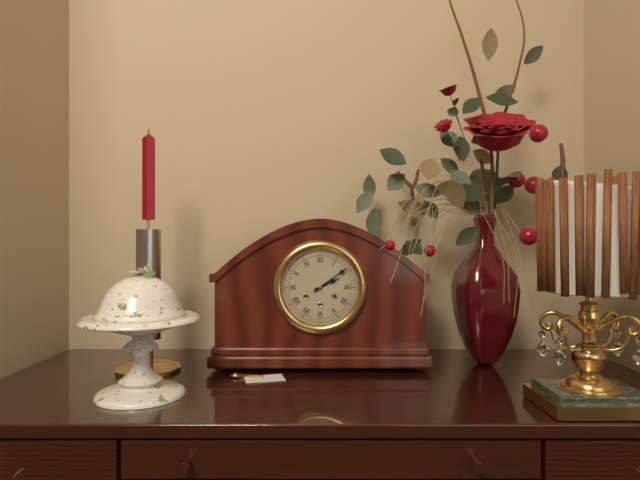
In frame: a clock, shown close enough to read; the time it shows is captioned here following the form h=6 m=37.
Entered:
h=2 m=9
